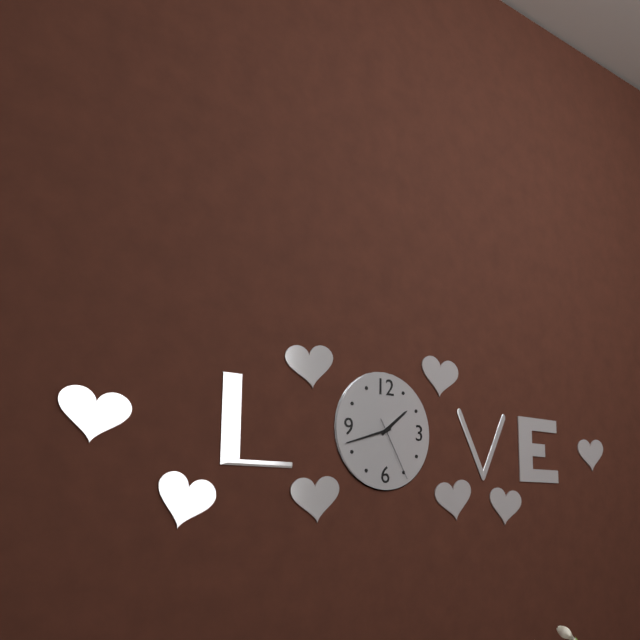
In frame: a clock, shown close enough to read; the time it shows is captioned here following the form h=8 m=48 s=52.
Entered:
h=1 m=42 s=25
